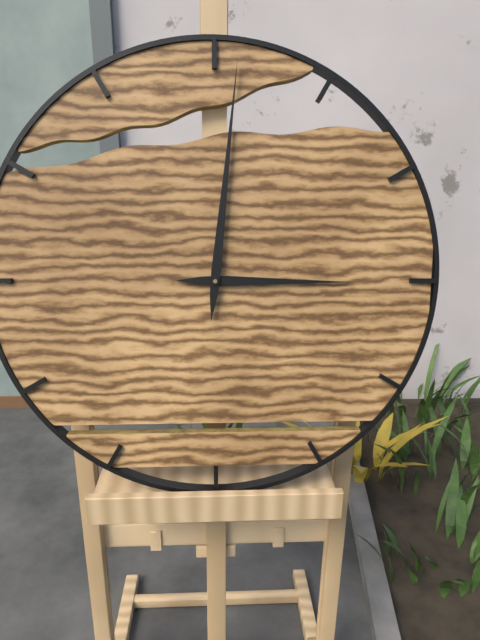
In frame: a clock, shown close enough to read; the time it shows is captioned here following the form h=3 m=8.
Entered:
h=3 m=1
